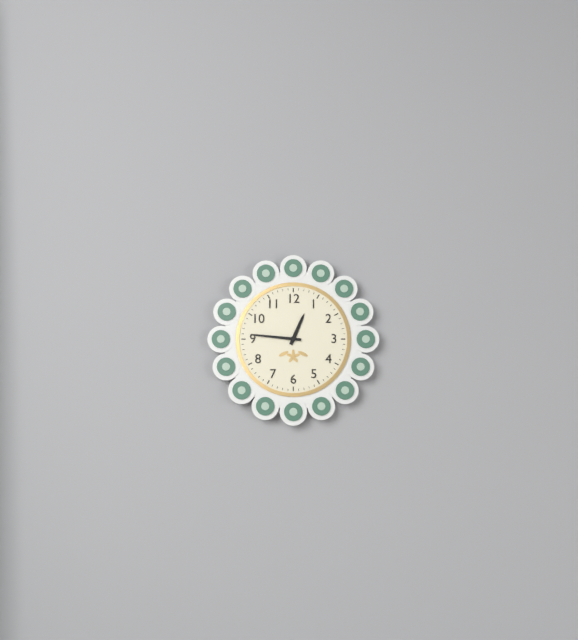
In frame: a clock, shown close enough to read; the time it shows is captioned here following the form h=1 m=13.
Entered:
h=12 m=46
